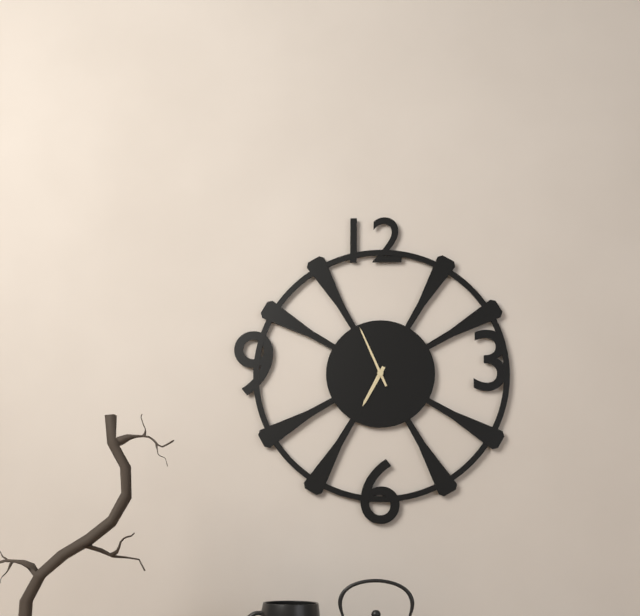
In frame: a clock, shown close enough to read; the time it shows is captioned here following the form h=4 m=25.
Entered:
h=6 m=56
